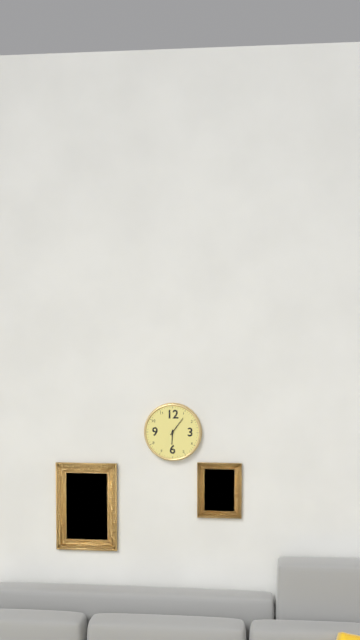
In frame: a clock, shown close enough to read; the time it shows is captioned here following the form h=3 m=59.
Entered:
h=6 m=6
